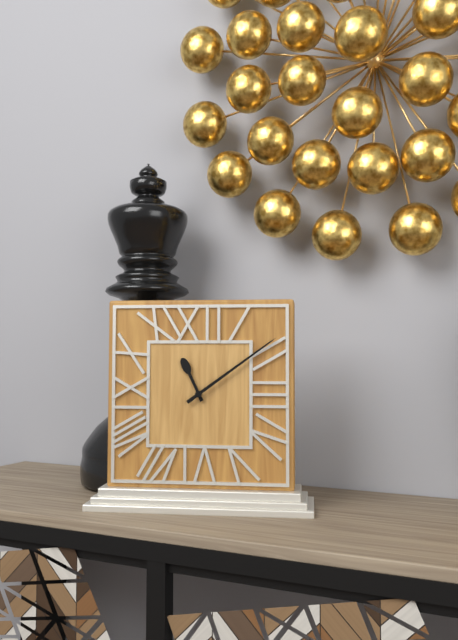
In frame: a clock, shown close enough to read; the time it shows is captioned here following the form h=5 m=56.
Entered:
h=11 m=9
